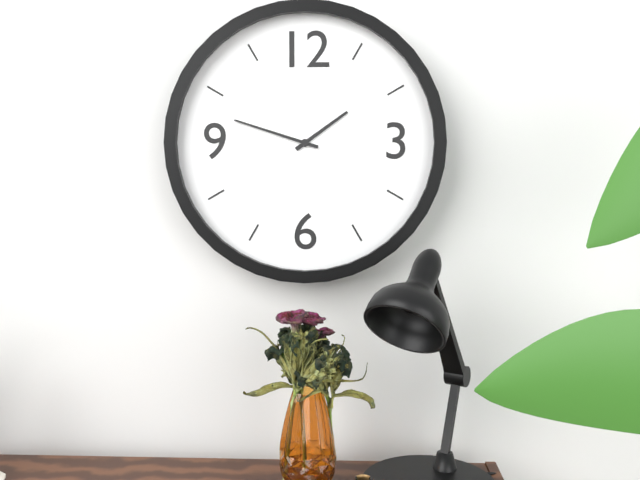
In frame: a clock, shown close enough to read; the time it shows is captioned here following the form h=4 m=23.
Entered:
h=1 m=48
